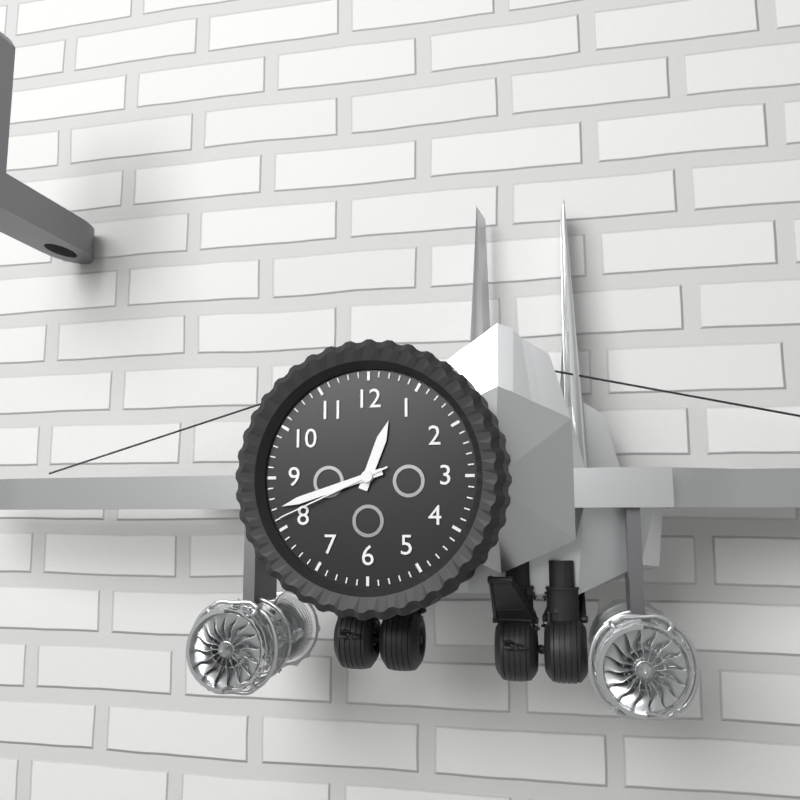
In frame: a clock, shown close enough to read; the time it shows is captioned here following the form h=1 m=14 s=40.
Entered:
h=12 m=42 s=41
